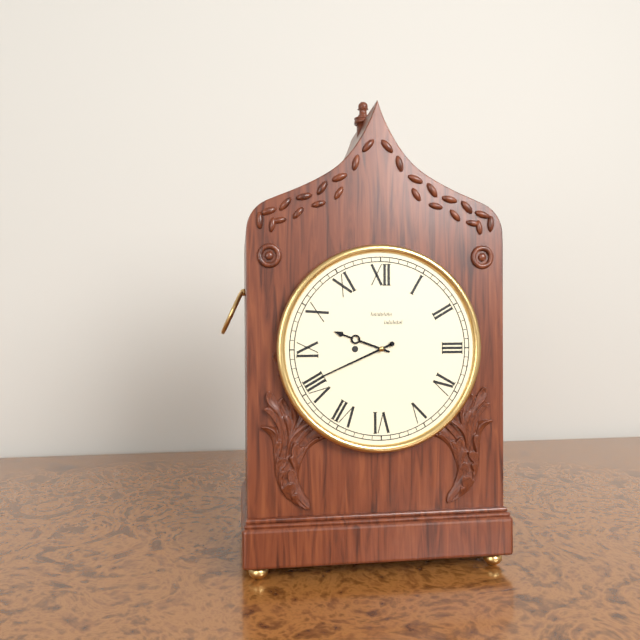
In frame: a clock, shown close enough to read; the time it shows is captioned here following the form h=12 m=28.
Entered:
h=9 m=41
